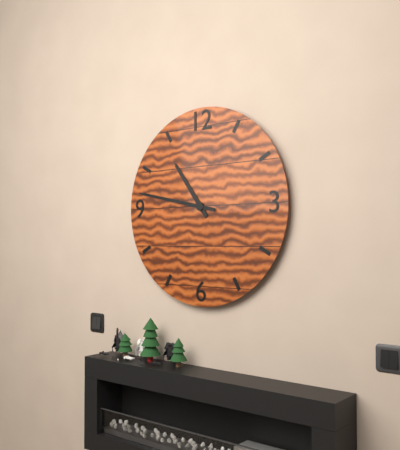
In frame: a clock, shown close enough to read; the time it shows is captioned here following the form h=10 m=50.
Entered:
h=10 m=47
